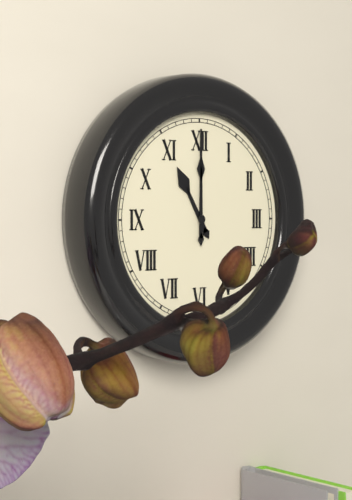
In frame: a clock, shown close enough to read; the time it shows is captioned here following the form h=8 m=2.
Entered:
h=11 m=0
